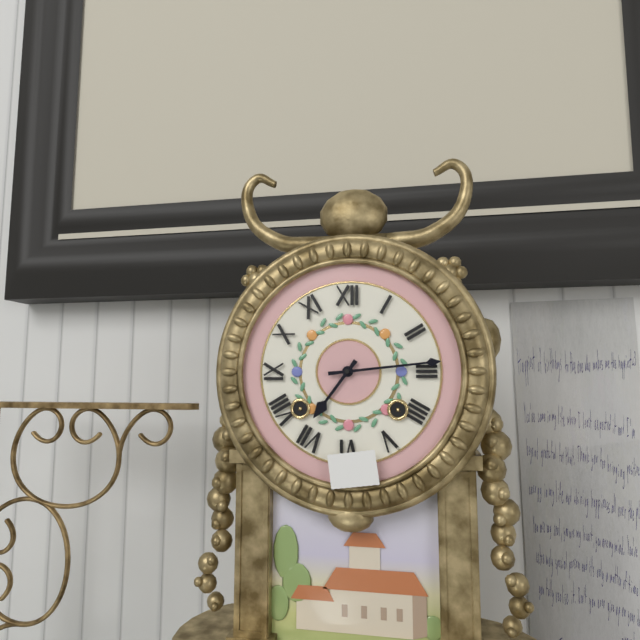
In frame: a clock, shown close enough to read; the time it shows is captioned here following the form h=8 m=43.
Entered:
h=7 m=14
